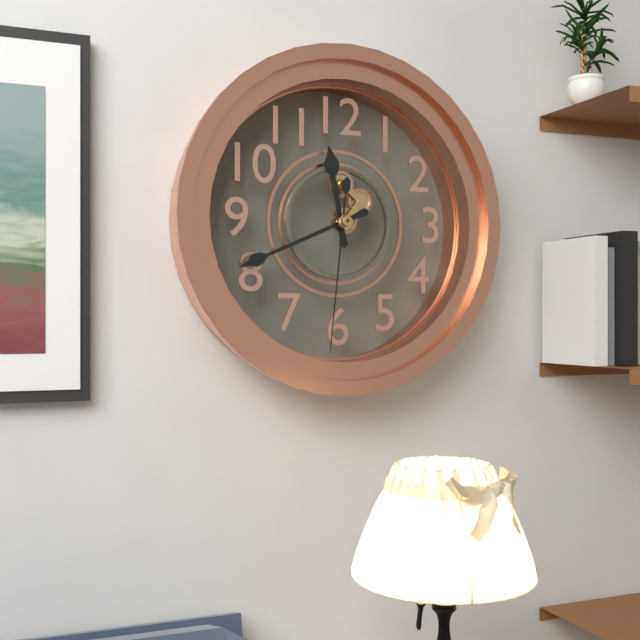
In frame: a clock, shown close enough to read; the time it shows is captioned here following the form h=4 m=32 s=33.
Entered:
h=11 m=41 s=31
